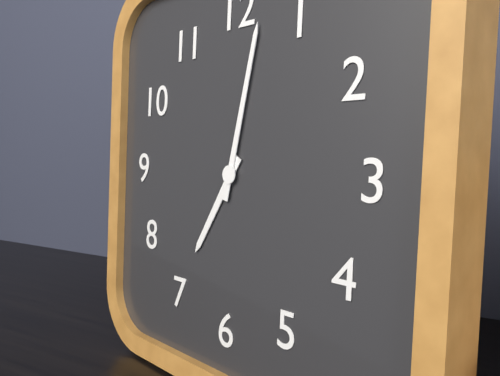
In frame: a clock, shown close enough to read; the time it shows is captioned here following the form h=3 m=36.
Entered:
h=7 m=2
